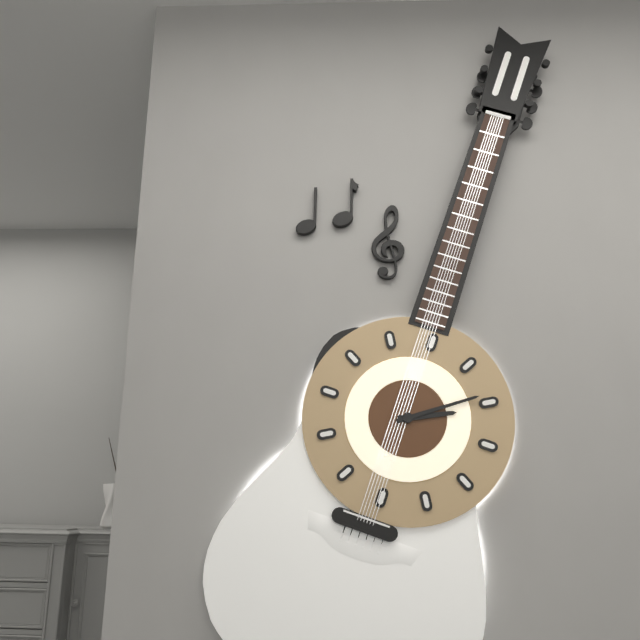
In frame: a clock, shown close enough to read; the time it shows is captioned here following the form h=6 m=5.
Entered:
h=2 m=9
